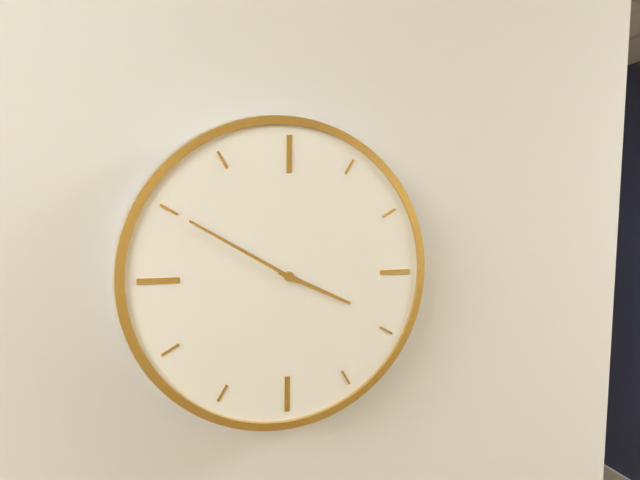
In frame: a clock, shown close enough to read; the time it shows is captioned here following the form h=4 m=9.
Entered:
h=3 m=50
